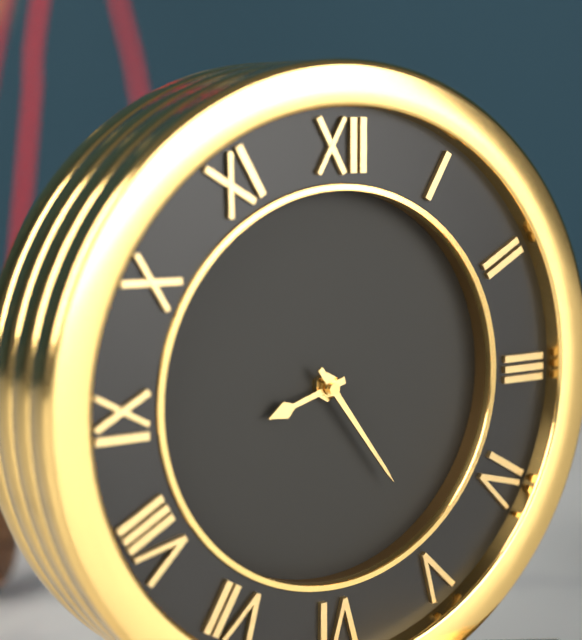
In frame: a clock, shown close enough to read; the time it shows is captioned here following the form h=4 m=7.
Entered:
h=8 m=24
